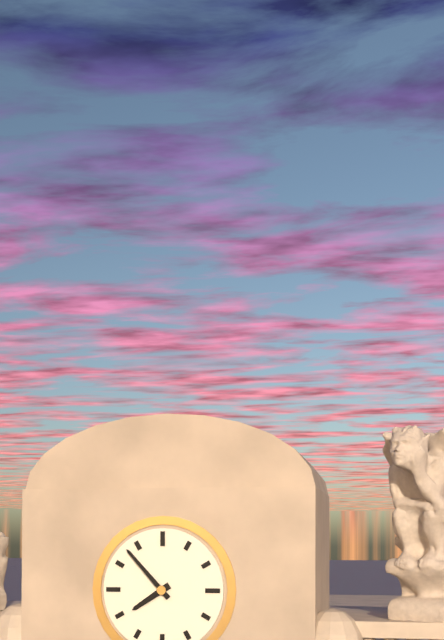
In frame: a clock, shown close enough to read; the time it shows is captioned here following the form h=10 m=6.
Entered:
h=7 m=53
